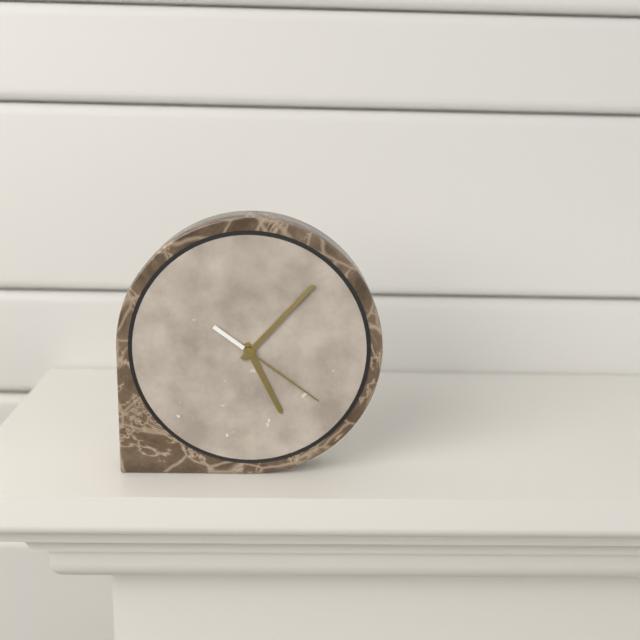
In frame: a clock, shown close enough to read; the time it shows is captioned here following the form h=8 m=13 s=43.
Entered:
h=5 m=7 s=21
